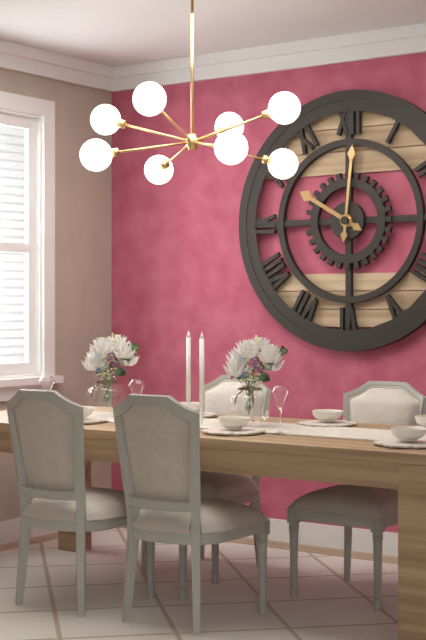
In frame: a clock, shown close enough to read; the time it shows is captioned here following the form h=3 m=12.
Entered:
h=10 m=1
